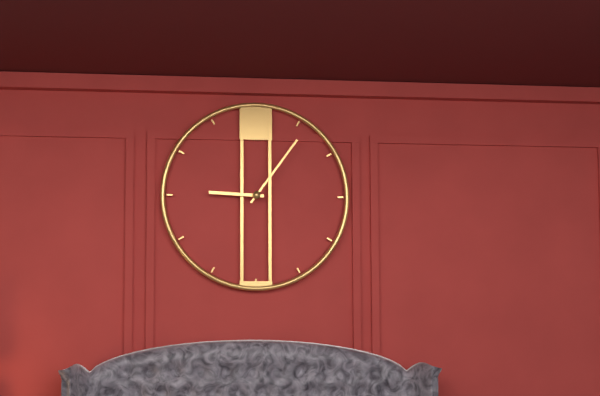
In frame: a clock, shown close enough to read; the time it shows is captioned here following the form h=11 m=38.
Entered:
h=9 m=6
